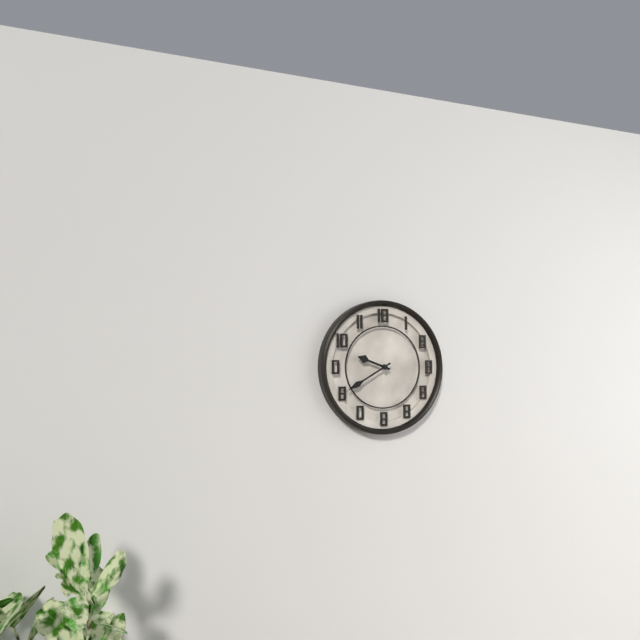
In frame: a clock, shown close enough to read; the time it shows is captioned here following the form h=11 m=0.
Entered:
h=9 m=40
